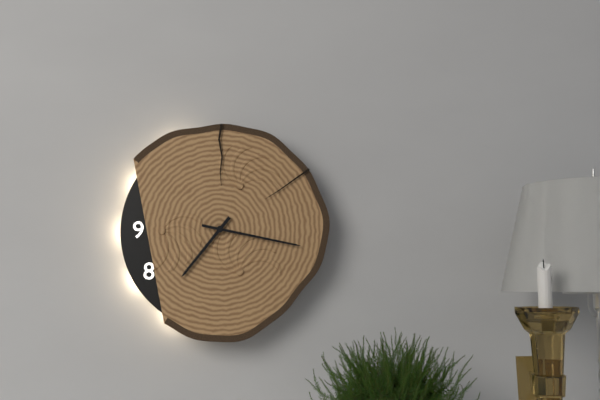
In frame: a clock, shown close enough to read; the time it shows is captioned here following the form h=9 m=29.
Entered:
h=7 m=17
